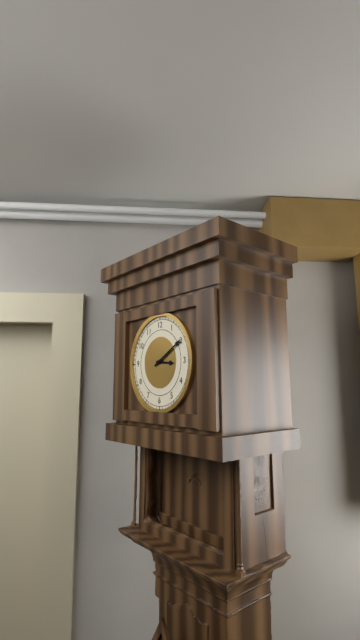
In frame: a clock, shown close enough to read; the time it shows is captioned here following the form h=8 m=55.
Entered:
h=3 m=10
